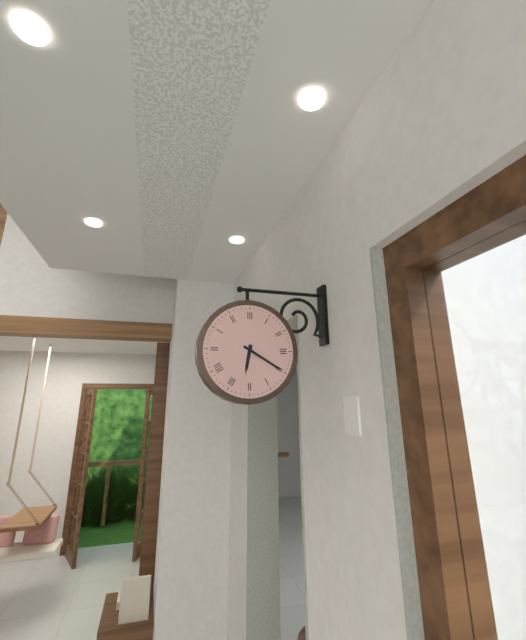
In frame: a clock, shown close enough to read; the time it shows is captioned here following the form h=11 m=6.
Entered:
h=6 m=20
